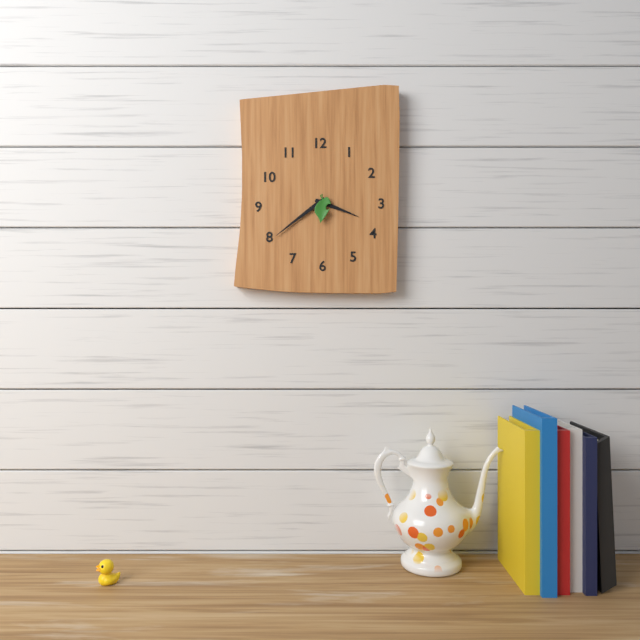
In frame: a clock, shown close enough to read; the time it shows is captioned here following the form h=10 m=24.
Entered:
h=3 m=39
